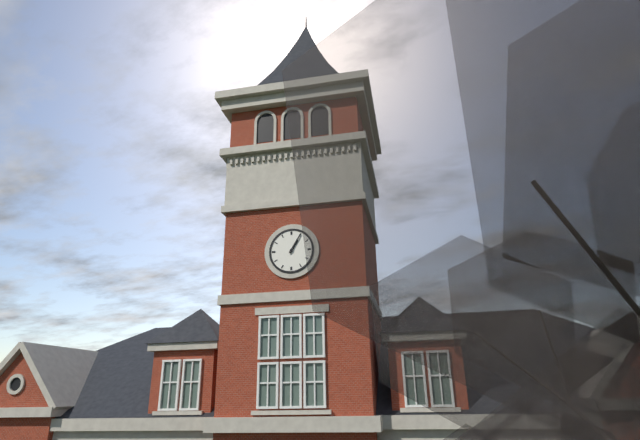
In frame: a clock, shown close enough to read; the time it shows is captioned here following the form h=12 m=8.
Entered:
h=1 m=5
